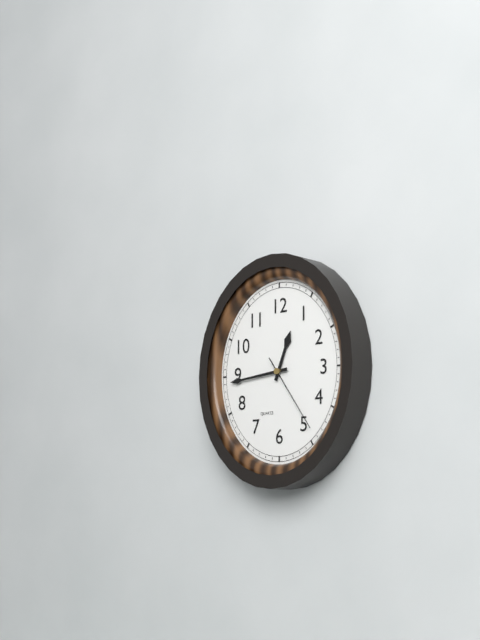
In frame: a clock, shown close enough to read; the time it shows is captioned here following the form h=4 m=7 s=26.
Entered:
h=12 m=44 s=24
